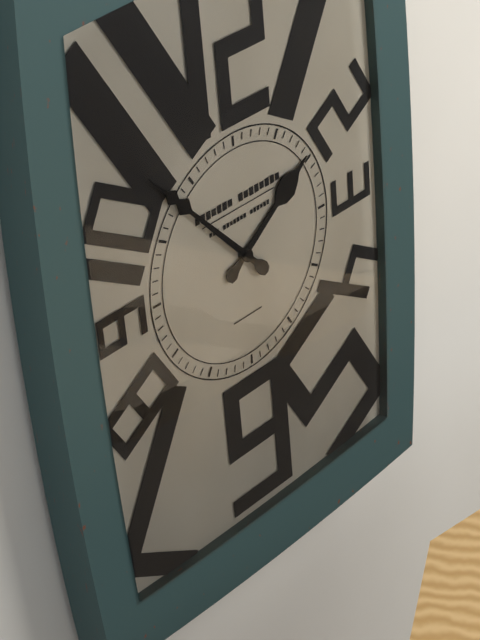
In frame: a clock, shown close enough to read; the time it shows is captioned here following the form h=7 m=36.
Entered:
h=1 m=53
